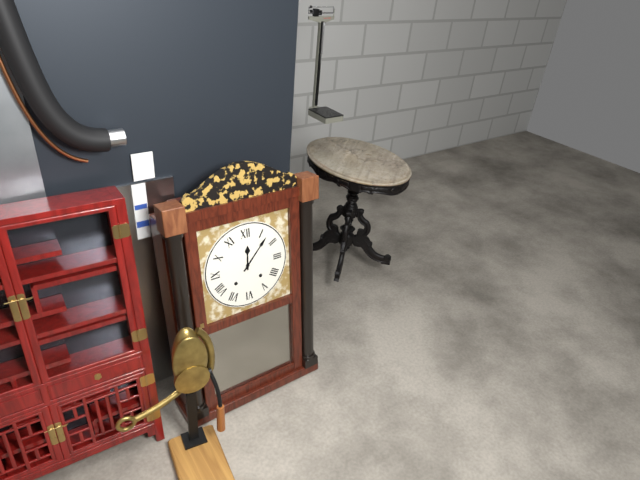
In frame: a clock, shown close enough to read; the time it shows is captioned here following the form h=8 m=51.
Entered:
h=12 m=7
